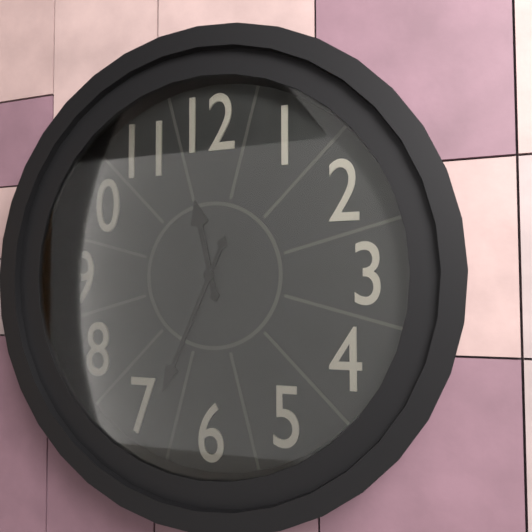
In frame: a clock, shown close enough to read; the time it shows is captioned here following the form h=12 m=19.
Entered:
h=11 m=34
